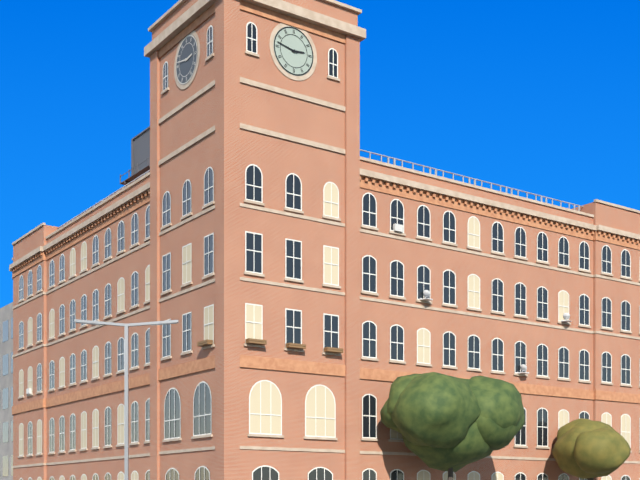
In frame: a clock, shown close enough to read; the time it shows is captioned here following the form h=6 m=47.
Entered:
h=2 m=47
